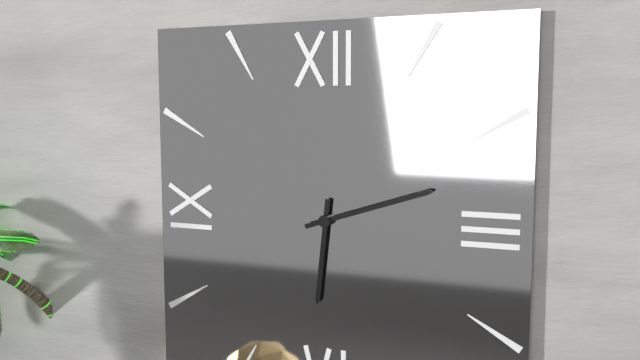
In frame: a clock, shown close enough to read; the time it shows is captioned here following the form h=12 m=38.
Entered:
h=6 m=12
